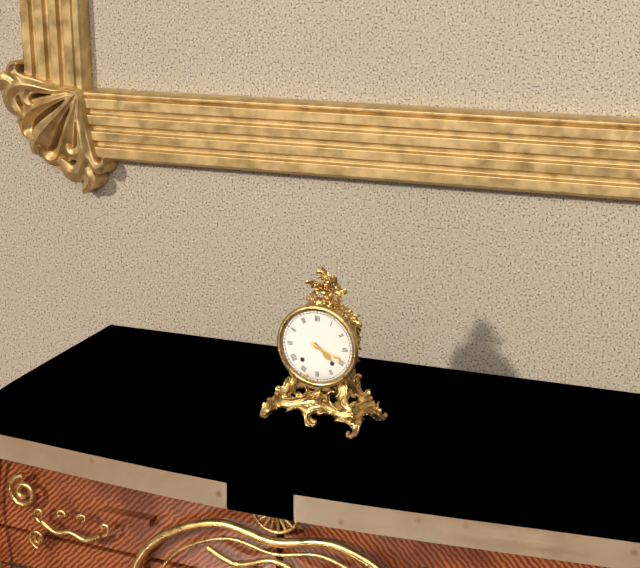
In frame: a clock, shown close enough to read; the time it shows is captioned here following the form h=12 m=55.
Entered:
h=4 m=19
